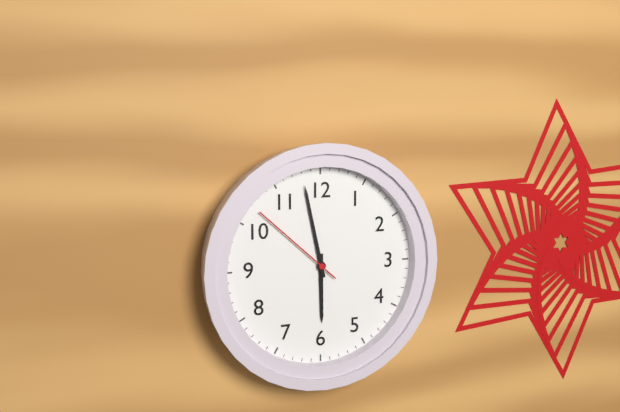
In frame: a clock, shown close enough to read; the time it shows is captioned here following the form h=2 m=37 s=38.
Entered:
h=5 m=58 s=52
